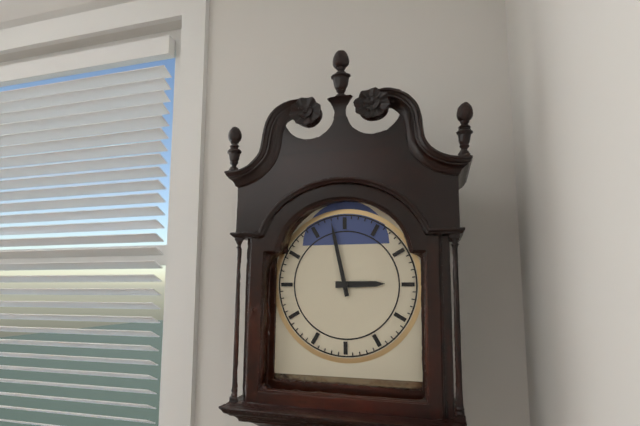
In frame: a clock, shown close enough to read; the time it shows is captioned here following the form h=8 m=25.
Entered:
h=2 m=58
